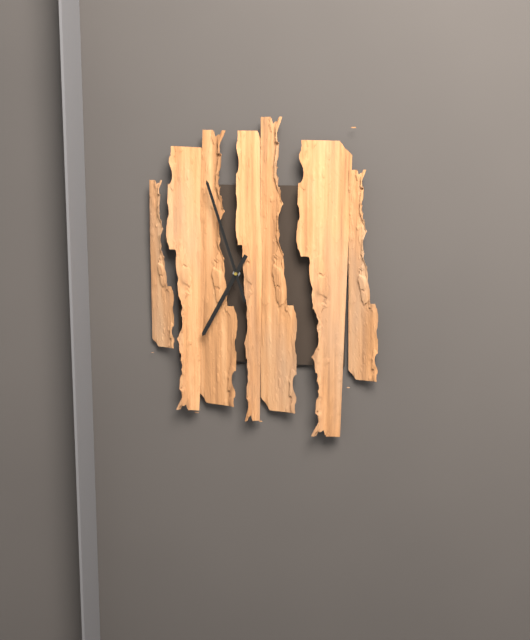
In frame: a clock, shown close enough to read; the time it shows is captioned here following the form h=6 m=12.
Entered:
h=6 m=57
